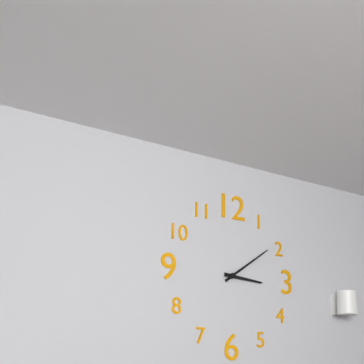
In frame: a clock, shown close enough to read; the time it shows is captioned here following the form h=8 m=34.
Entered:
h=3 m=9
